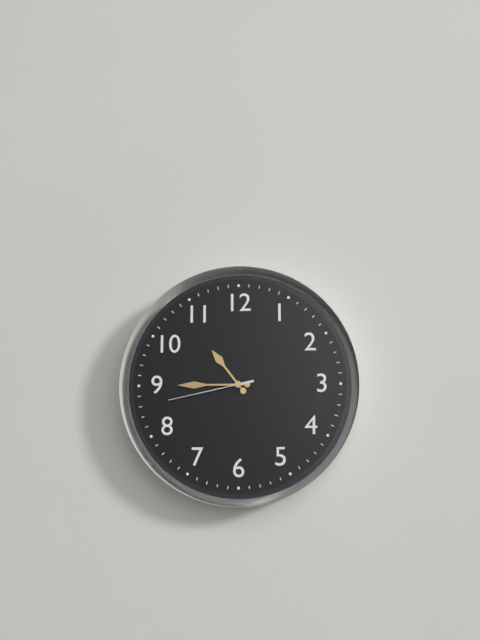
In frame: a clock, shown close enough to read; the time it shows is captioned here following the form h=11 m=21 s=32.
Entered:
h=10 m=45 s=43
